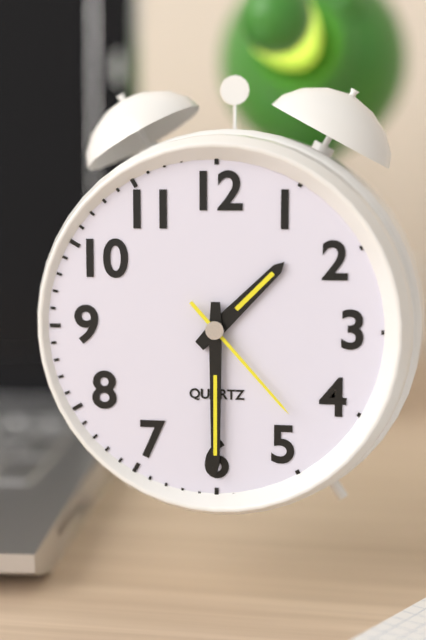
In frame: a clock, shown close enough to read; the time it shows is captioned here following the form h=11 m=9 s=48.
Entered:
h=1 m=30 s=23
